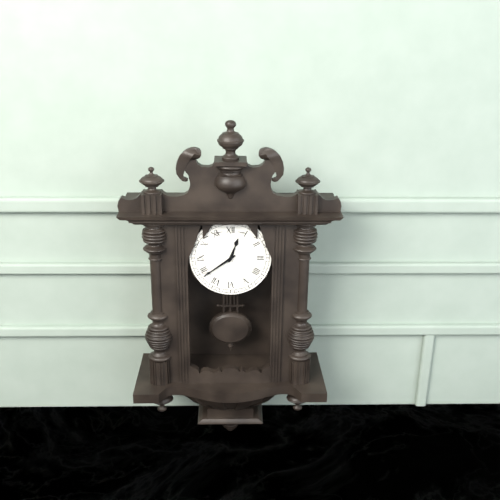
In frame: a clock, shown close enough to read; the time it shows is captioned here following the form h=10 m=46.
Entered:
h=12 m=39
